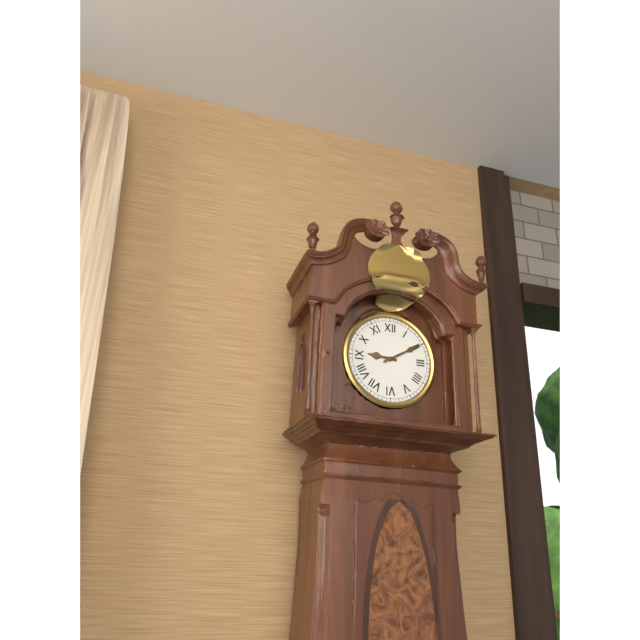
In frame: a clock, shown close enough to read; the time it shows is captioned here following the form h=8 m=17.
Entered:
h=9 m=10
